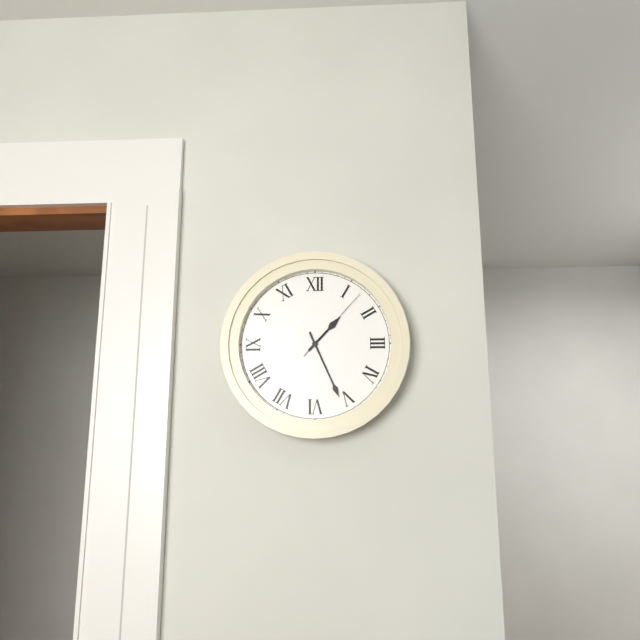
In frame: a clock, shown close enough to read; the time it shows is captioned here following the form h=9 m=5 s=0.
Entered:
h=1 m=26 s=7
